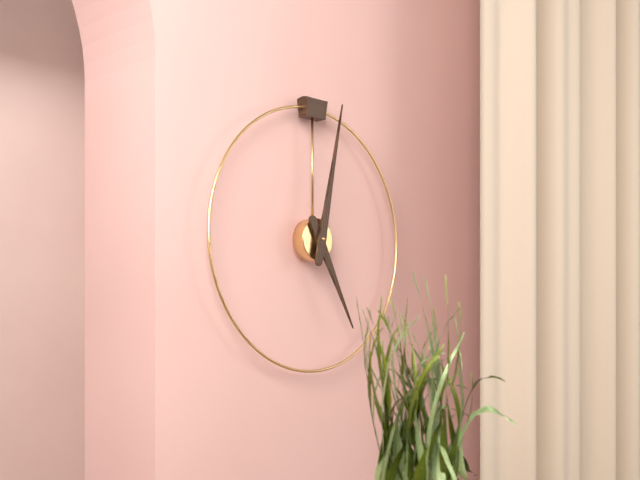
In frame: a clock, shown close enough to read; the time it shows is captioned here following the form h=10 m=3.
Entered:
h=5 m=2
